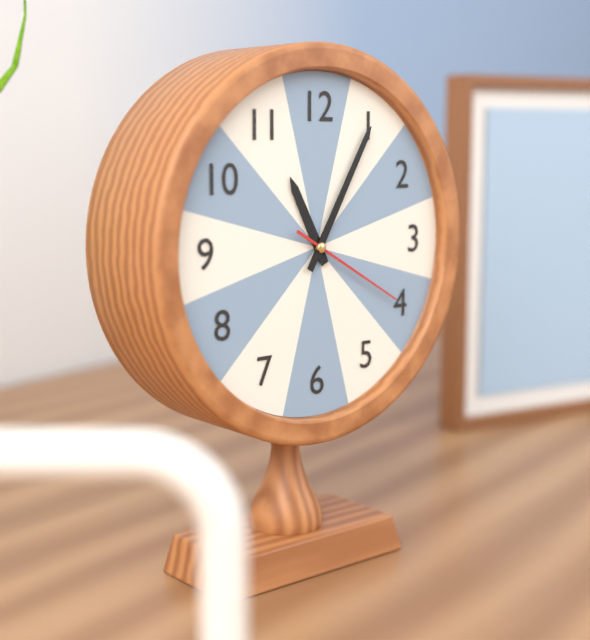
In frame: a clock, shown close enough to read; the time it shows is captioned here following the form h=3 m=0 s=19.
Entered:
h=11 m=5 s=20
